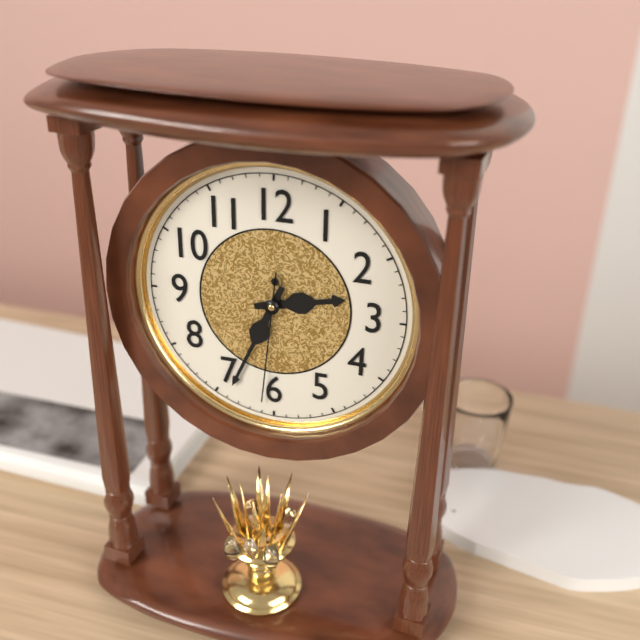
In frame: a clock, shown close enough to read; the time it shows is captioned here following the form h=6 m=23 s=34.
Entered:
h=2 m=34 s=31
